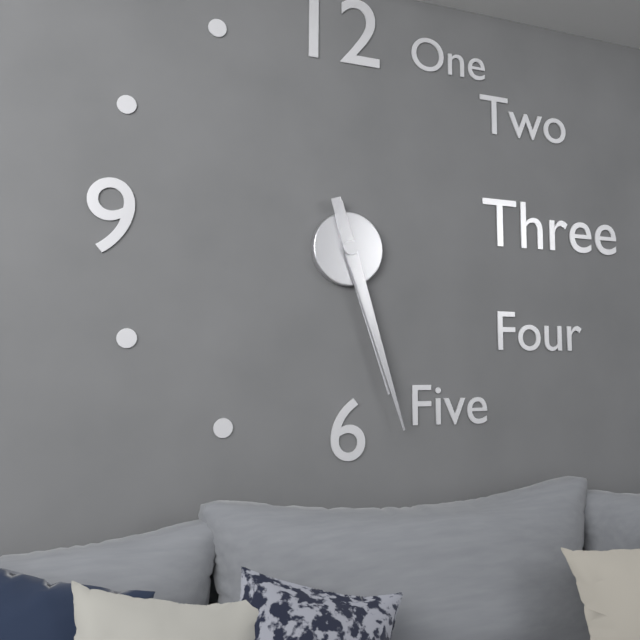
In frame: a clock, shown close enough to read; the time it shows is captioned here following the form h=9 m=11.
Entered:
h=5 m=27
